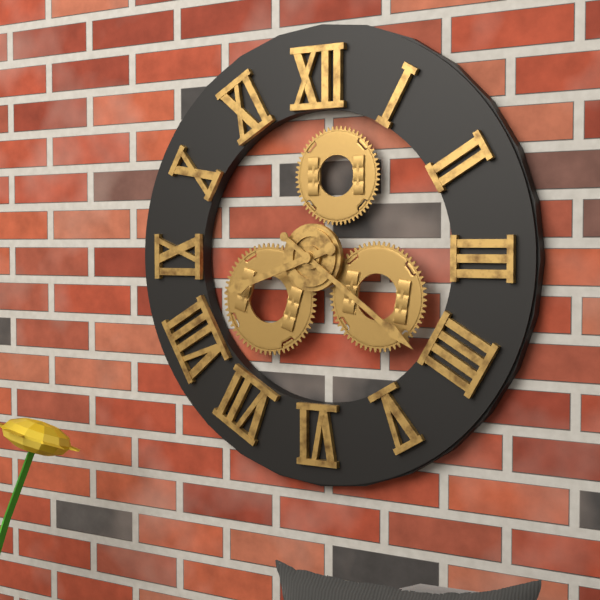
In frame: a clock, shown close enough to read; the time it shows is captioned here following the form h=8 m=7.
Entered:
h=8 m=21
